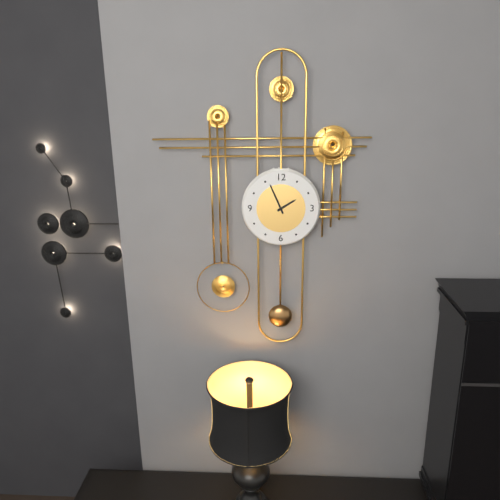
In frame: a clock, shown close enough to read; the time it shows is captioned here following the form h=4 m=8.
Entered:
h=1 m=56
